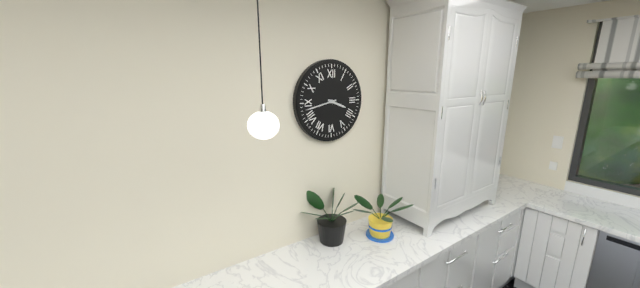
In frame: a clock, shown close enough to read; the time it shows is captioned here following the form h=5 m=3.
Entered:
h=3 m=43
